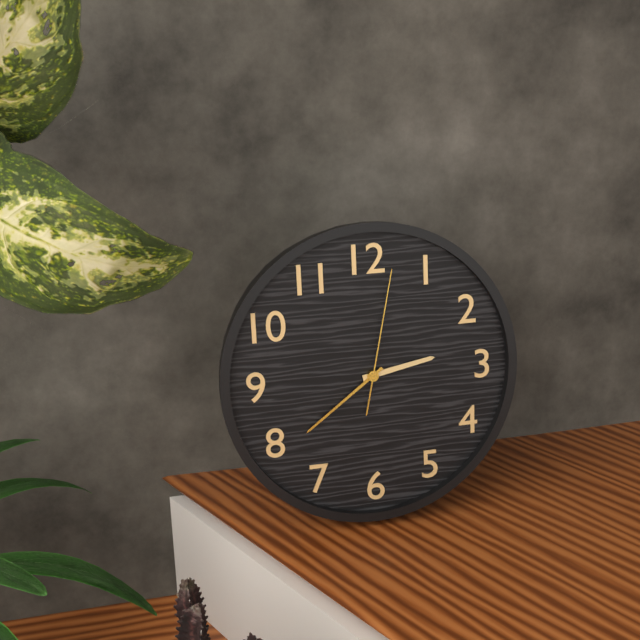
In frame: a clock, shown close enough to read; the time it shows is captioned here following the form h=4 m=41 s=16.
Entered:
h=2 m=39 s=2
